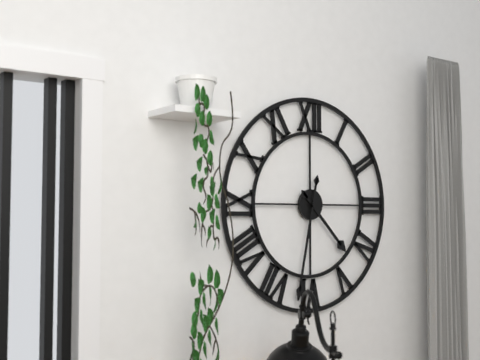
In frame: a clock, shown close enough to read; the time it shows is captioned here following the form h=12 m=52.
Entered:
h=4 m=32
